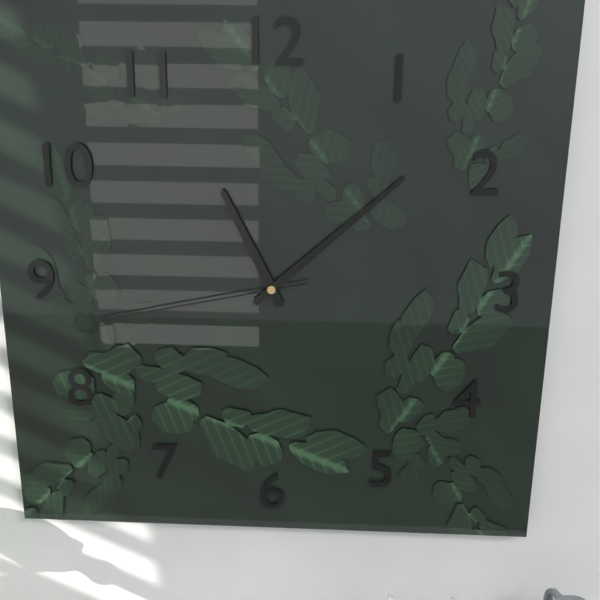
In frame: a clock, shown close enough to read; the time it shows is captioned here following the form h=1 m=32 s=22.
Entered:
h=11 m=8 s=43
